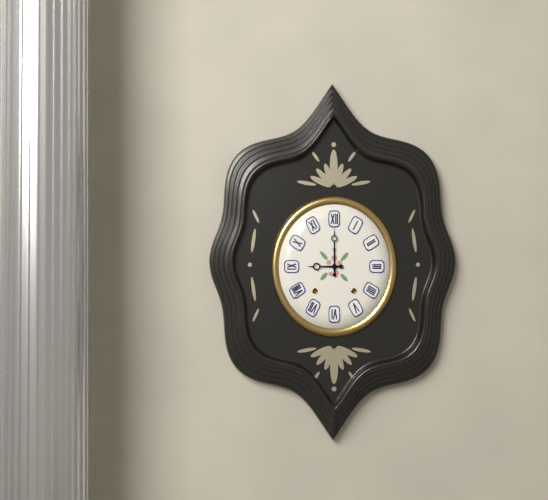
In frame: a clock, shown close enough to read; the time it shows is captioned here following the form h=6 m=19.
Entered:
h=9 m=0
